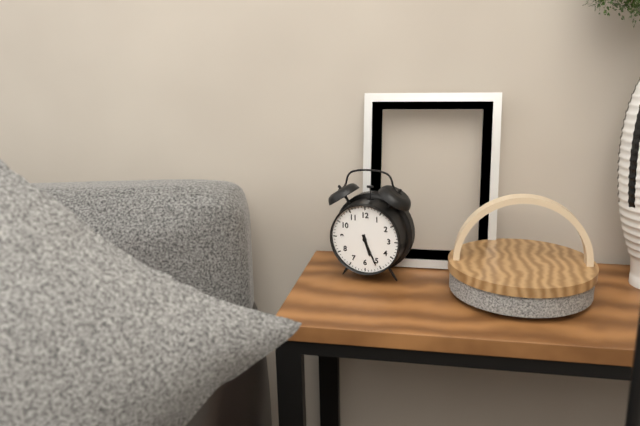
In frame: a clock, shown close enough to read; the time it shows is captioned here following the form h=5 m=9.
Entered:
h=5 m=26
